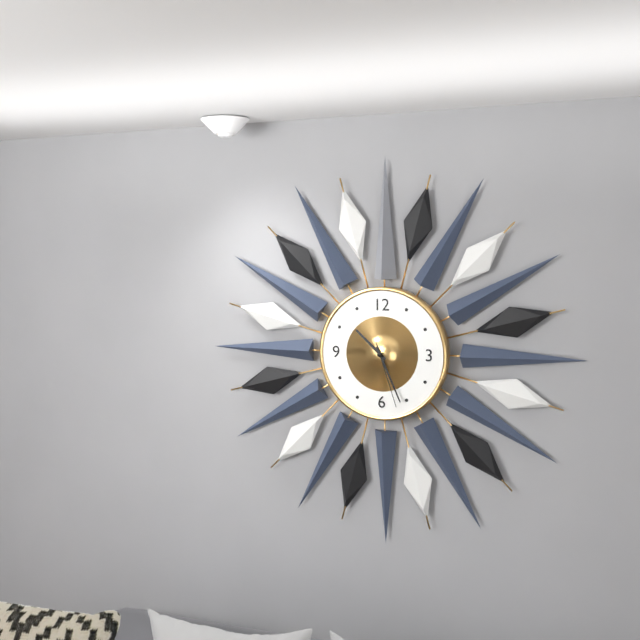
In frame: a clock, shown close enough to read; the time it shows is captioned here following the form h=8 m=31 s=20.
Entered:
h=10 m=26 s=27
